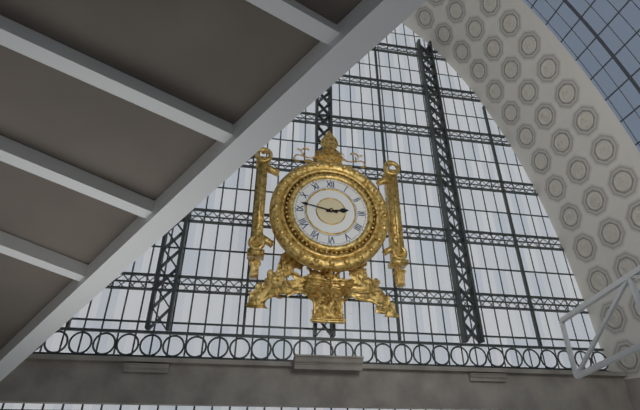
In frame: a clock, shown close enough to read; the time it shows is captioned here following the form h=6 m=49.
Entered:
h=2 m=47
